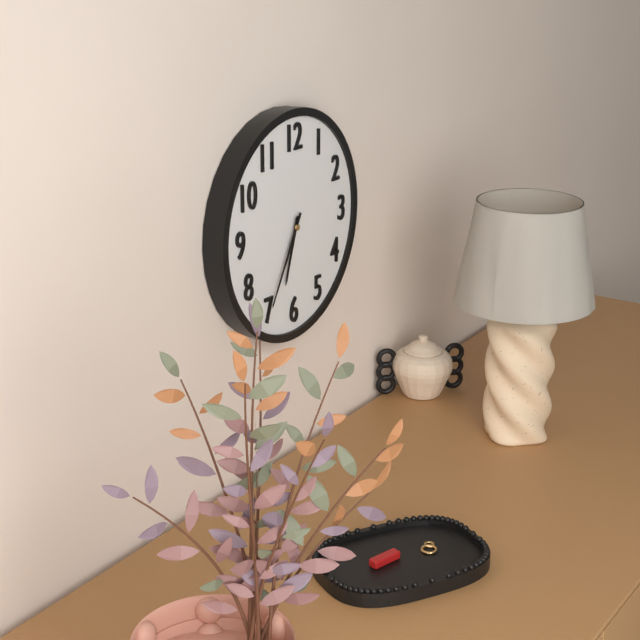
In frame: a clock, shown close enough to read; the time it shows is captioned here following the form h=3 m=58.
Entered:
h=6 m=35
